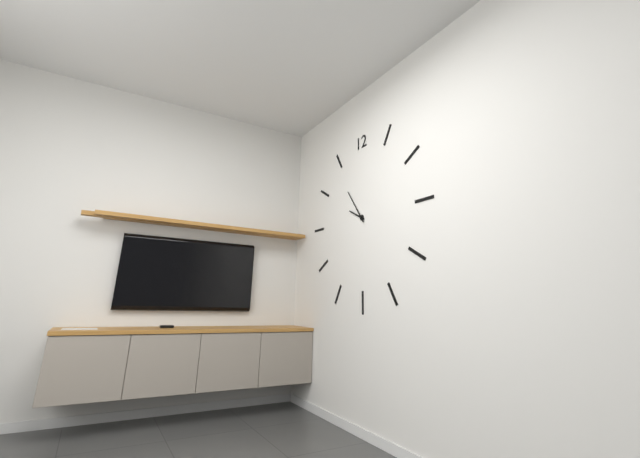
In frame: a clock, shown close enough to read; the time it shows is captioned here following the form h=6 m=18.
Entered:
h=9 m=54
